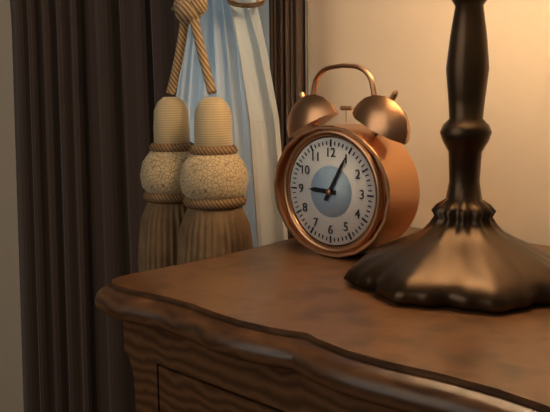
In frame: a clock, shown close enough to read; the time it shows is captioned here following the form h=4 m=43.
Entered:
h=9 m=5
